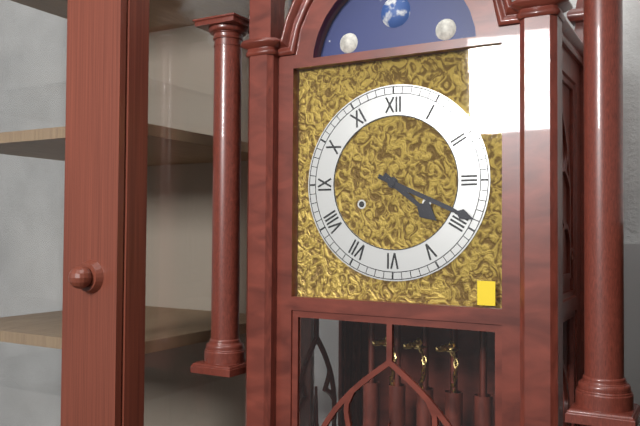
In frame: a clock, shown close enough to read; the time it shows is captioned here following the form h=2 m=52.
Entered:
h=4 m=19
